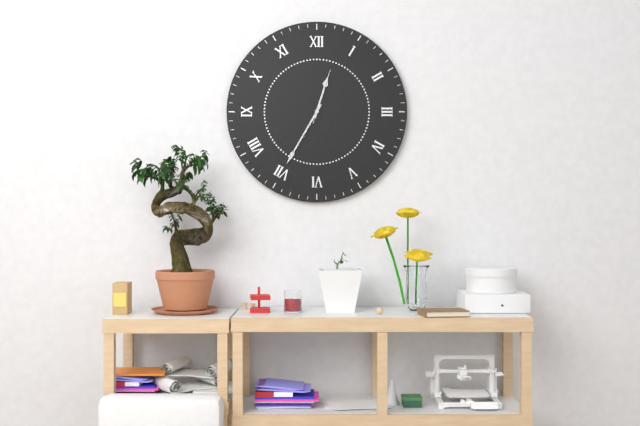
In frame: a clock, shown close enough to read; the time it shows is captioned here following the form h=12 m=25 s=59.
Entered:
h=12 m=35 s=3
